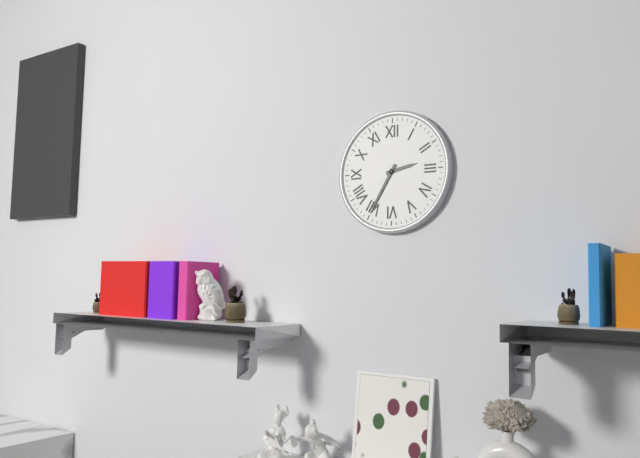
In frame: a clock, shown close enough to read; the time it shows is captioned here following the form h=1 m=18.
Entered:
h=2 m=35
